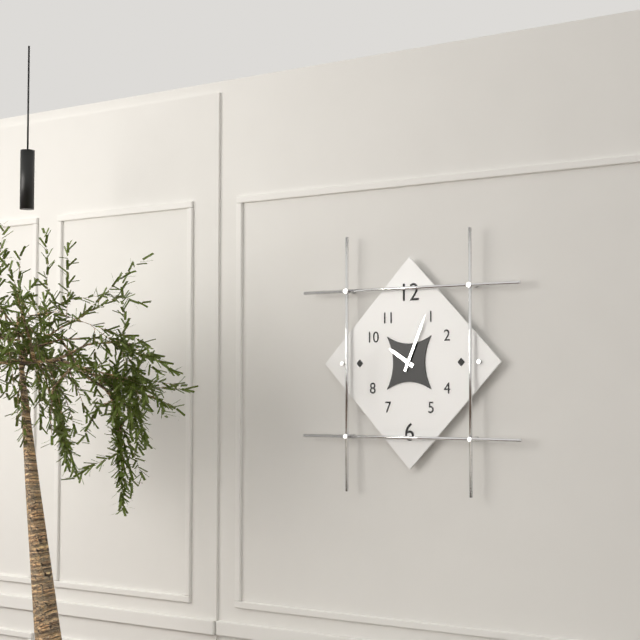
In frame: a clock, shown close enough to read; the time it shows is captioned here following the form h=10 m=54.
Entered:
h=10 m=4
